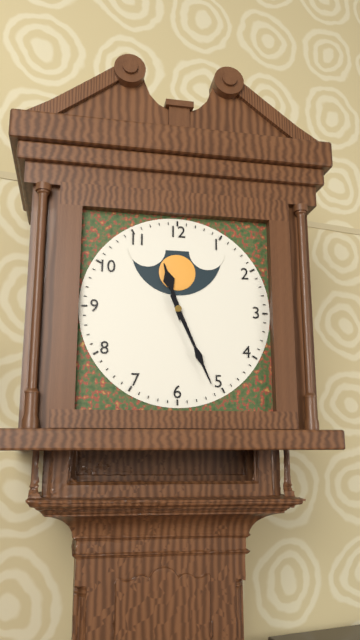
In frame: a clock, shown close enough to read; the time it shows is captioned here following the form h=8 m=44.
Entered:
h=11 m=26
